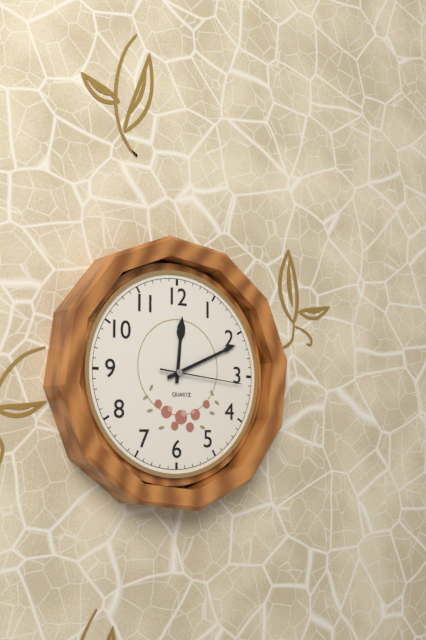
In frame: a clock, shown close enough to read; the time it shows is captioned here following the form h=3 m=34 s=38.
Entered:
h=12 m=11 s=16
